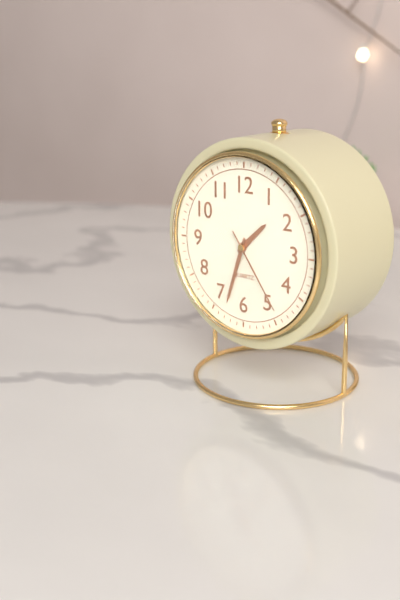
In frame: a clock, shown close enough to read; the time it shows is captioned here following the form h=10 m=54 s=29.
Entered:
h=1 m=33 s=24
